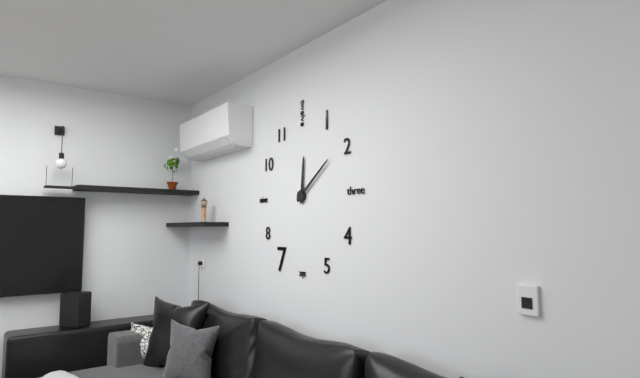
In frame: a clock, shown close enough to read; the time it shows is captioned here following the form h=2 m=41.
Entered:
h=12 m=9
